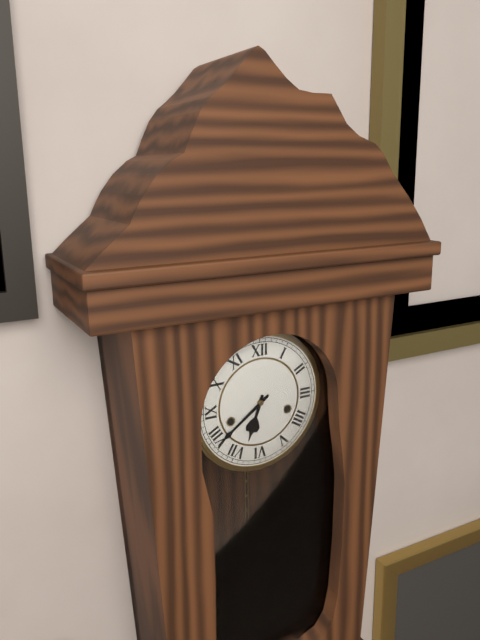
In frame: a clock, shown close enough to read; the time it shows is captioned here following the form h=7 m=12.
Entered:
h=6 m=39
